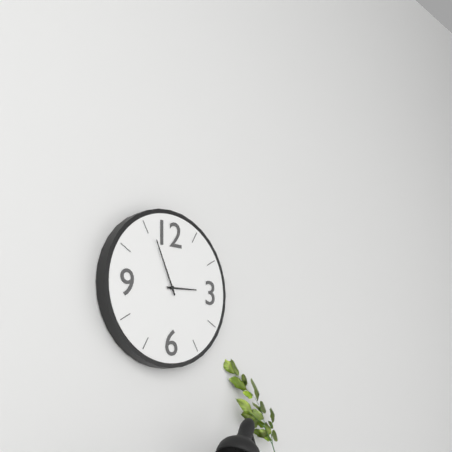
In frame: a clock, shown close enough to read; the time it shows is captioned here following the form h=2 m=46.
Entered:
h=2 m=56
